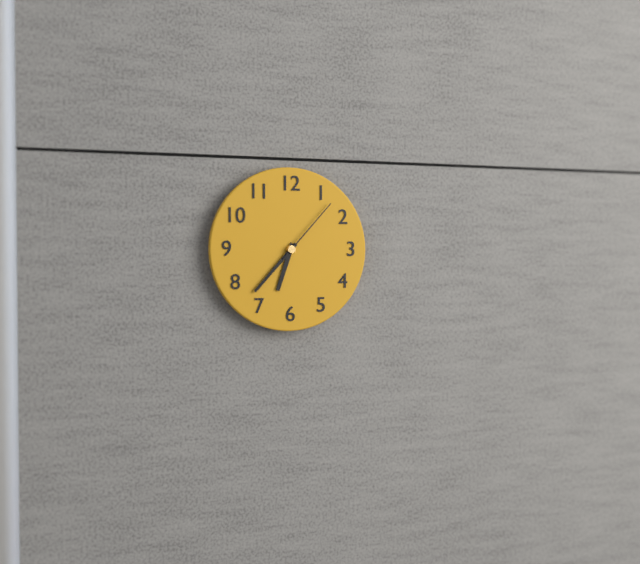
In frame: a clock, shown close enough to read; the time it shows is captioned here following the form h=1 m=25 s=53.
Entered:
h=6 m=37 s=7
